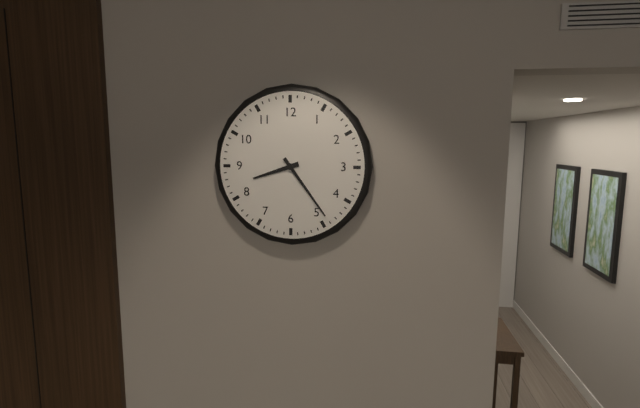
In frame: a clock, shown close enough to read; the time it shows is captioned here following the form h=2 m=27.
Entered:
h=8 m=24
